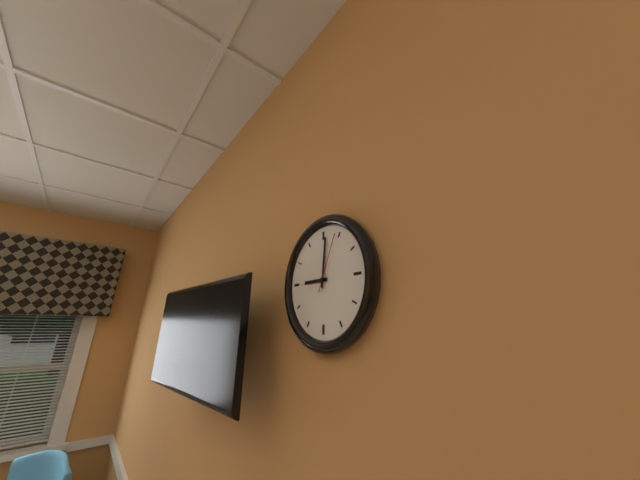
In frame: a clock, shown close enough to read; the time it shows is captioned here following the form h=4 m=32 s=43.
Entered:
h=9 m=1 s=4
